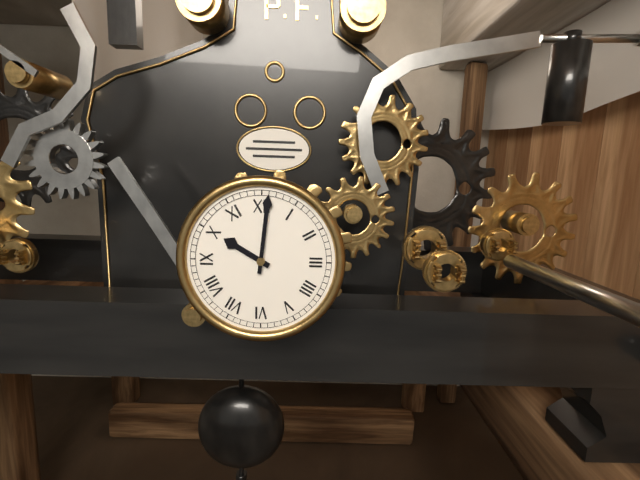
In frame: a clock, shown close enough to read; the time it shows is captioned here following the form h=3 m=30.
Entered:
h=10 m=1
